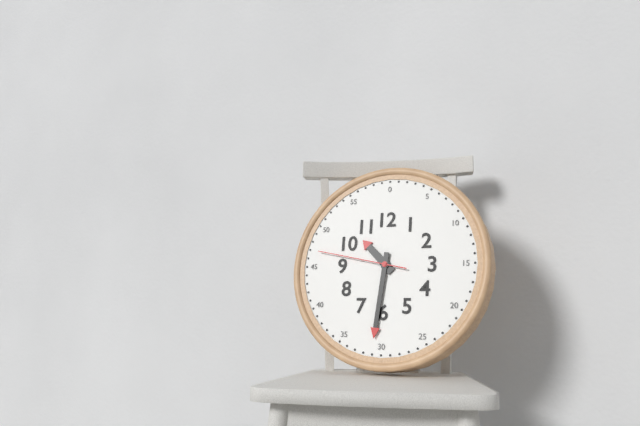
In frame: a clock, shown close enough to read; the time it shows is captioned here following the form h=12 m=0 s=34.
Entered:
h=10 m=31 s=47
